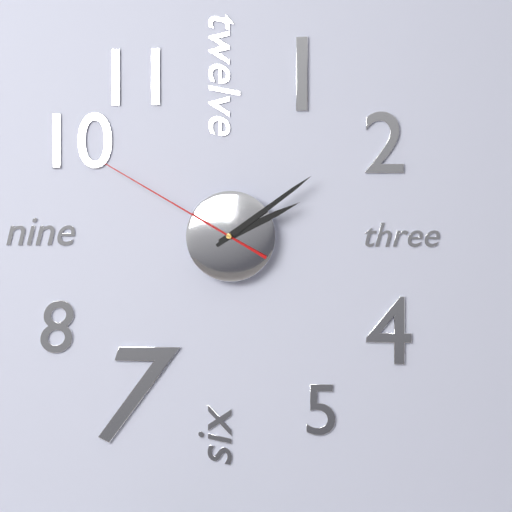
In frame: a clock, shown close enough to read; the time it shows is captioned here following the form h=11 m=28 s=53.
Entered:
h=2 m=9 s=50
